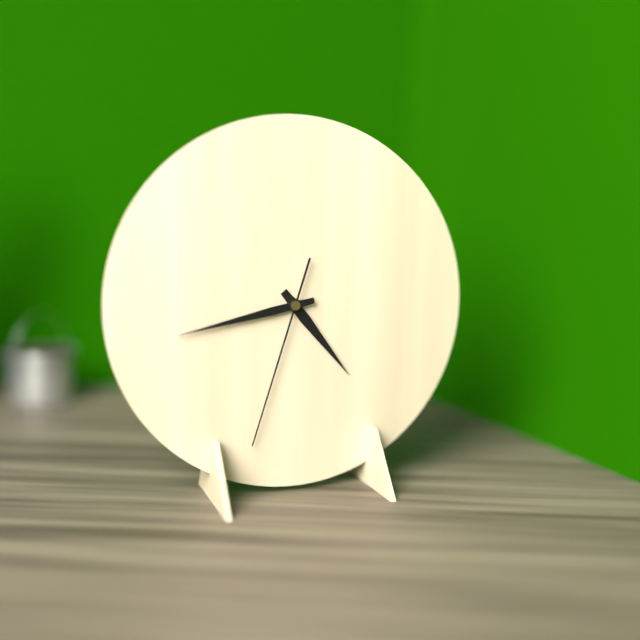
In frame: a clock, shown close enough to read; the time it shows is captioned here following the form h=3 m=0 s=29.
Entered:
h=4 m=43 s=33
